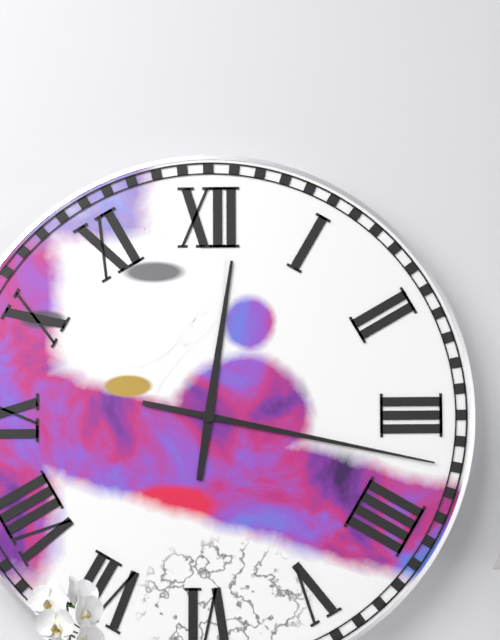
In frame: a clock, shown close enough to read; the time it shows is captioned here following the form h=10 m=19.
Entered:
h=12 m=17
